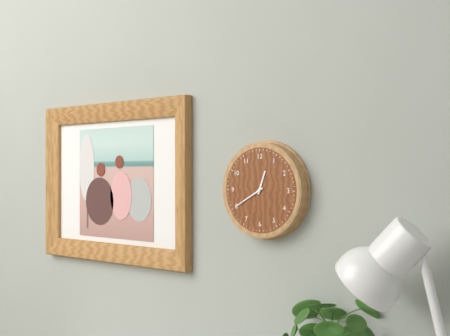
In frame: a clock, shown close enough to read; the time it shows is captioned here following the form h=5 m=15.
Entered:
h=12 m=40
